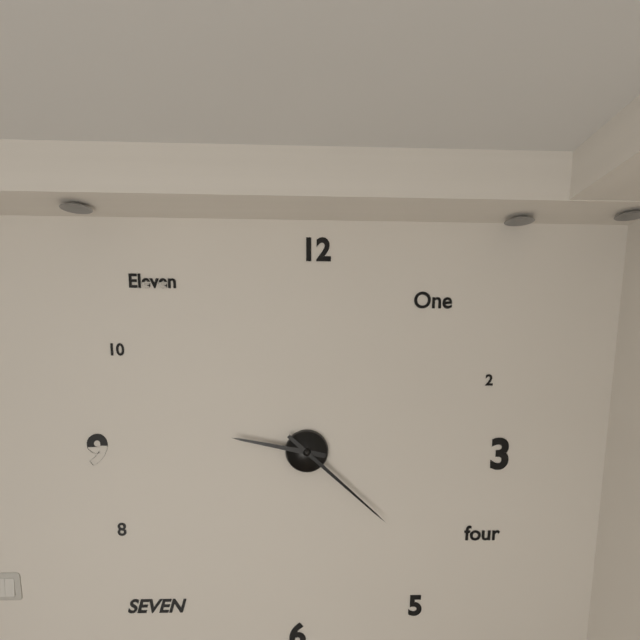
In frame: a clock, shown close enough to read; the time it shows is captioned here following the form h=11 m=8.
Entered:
h=9 m=22
